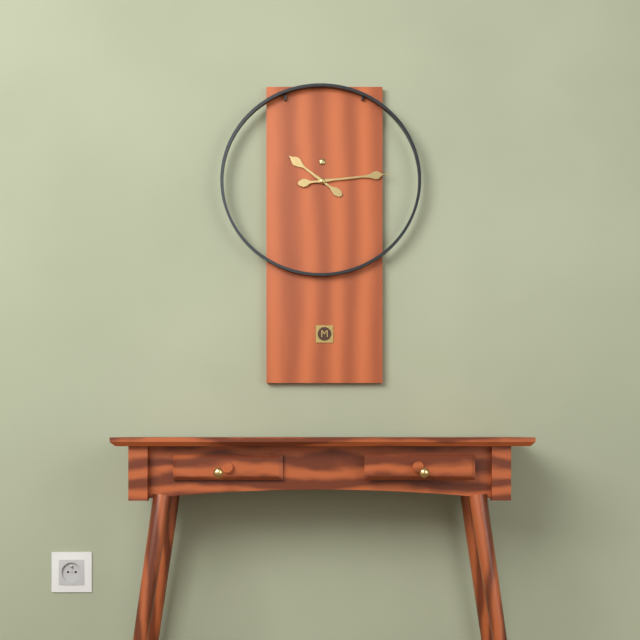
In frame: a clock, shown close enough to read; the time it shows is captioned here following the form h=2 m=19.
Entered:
h=10 m=14
